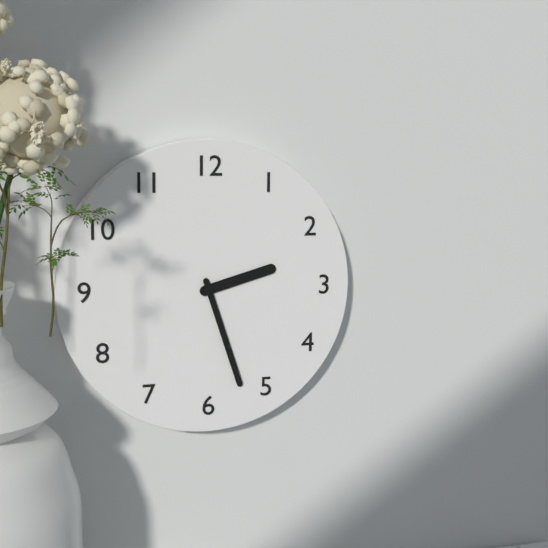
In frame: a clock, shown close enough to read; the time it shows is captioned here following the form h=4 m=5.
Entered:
h=2 m=27
